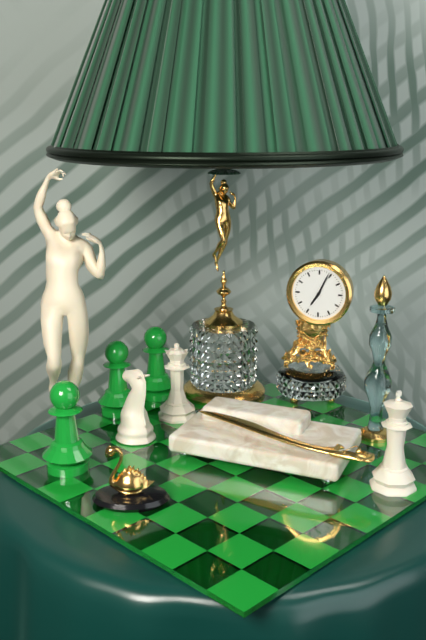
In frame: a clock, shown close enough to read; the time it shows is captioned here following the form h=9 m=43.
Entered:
h=7 m=4
